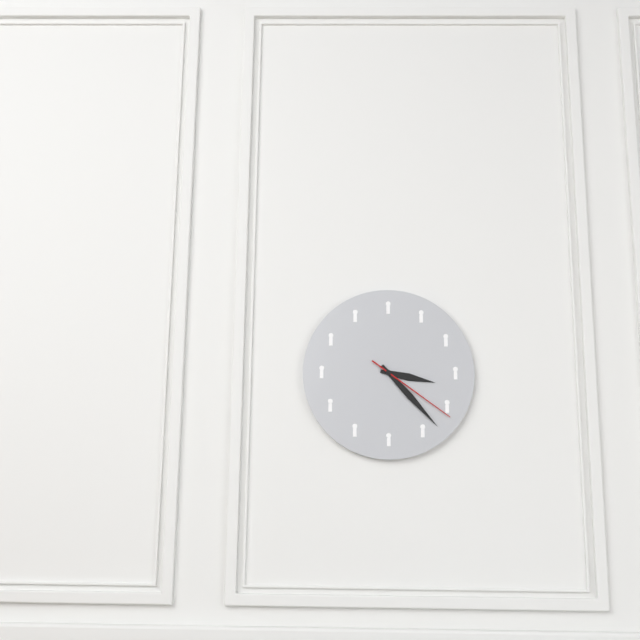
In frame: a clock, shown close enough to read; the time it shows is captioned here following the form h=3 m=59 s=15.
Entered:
h=3 m=23 s=21
